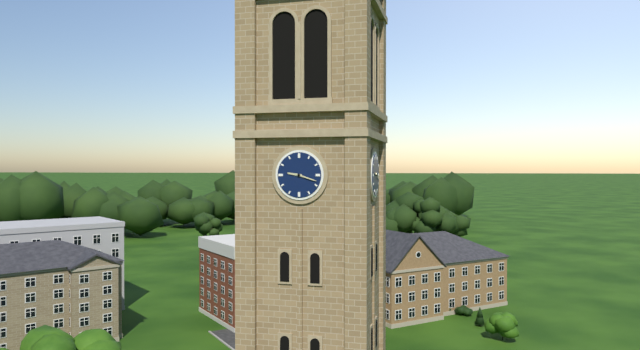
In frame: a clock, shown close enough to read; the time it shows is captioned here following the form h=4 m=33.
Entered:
h=9 m=18
